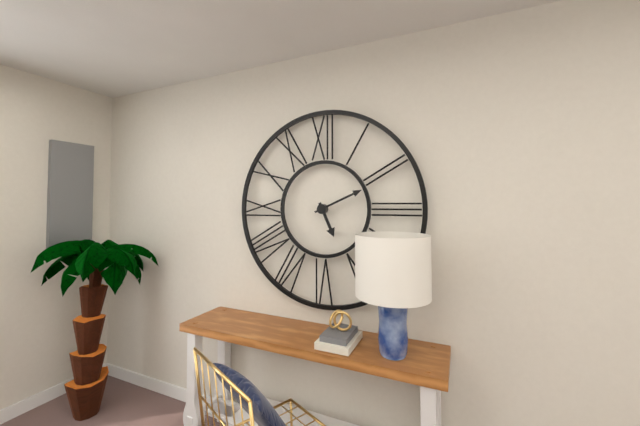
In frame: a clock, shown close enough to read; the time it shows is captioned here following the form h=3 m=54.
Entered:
h=5 m=11
